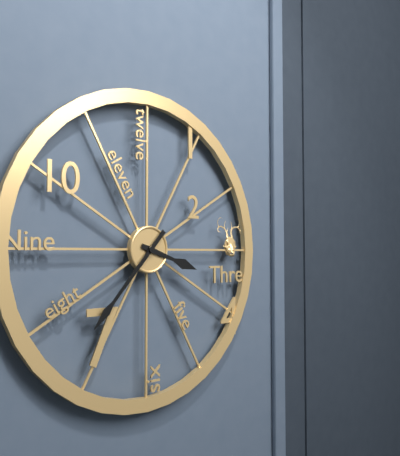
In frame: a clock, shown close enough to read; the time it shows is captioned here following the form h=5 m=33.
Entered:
h=3 m=37
